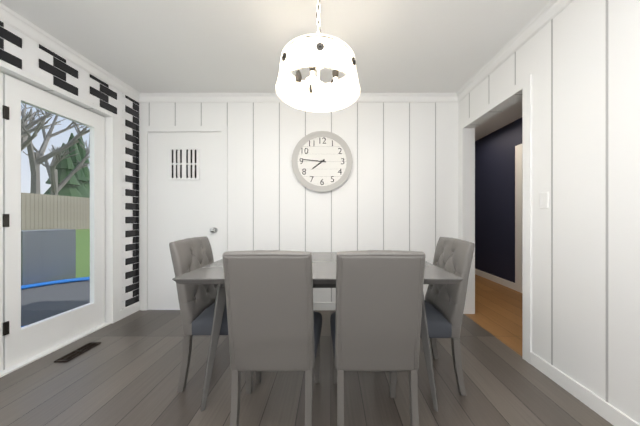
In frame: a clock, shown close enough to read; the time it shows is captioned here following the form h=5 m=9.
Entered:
h=7 m=46
